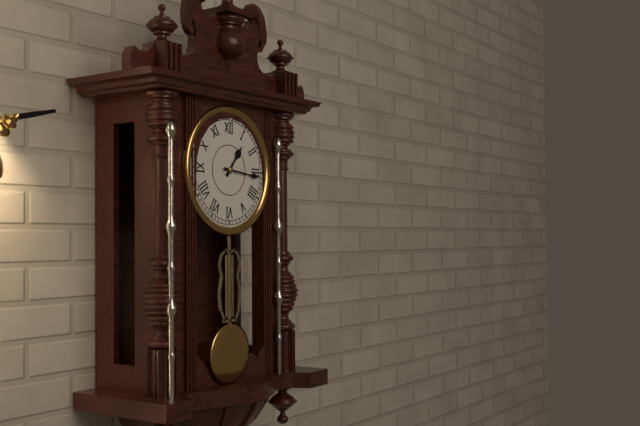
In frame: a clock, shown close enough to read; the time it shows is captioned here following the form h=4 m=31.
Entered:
h=1 m=16
